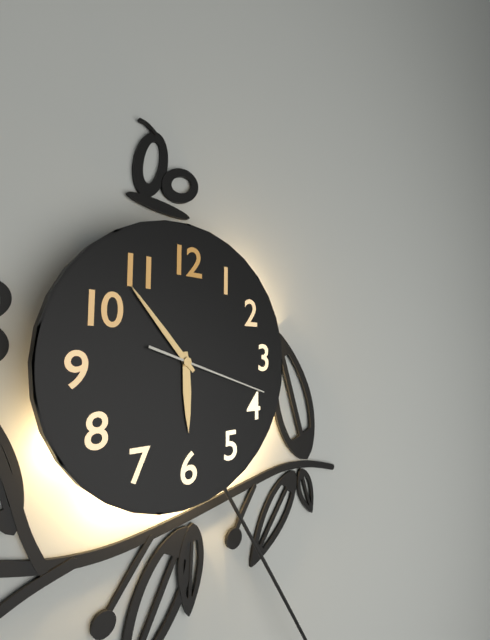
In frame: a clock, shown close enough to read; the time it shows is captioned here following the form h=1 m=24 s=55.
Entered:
h=5 m=53 s=18
